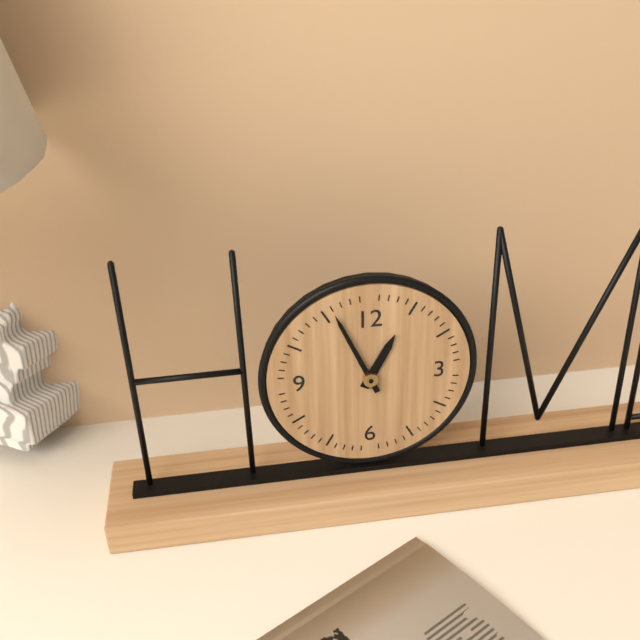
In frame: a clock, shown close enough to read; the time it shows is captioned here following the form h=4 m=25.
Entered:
h=12 m=56
